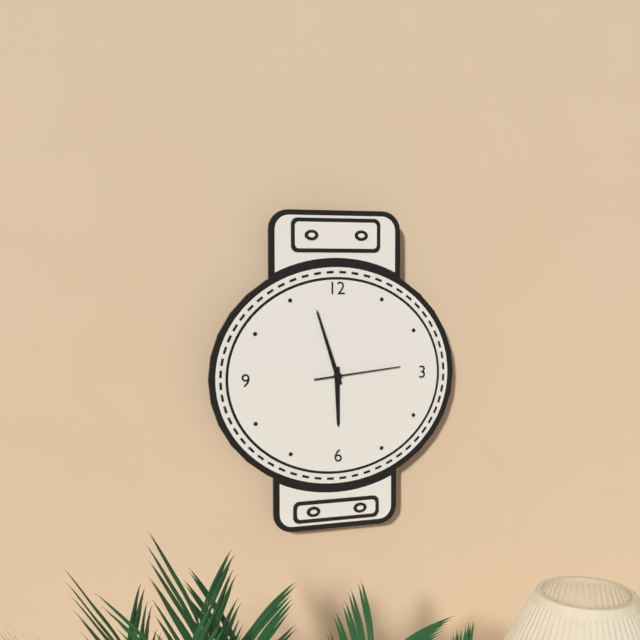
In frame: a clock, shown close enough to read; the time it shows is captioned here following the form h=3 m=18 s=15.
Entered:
h=5 m=57 s=14
